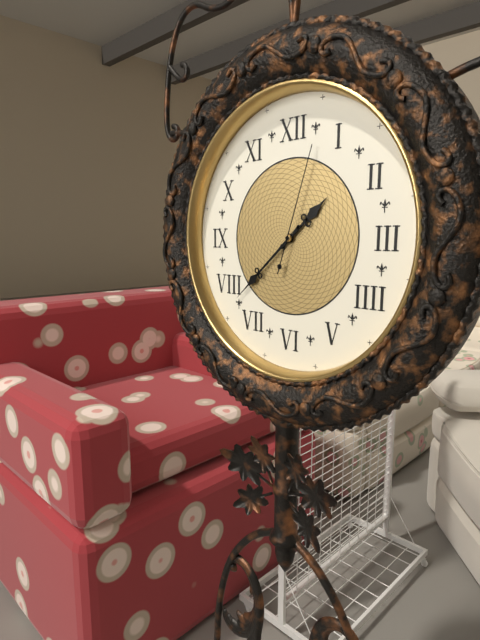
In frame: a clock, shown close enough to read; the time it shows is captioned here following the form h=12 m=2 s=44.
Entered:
h=1 m=38 s=3
